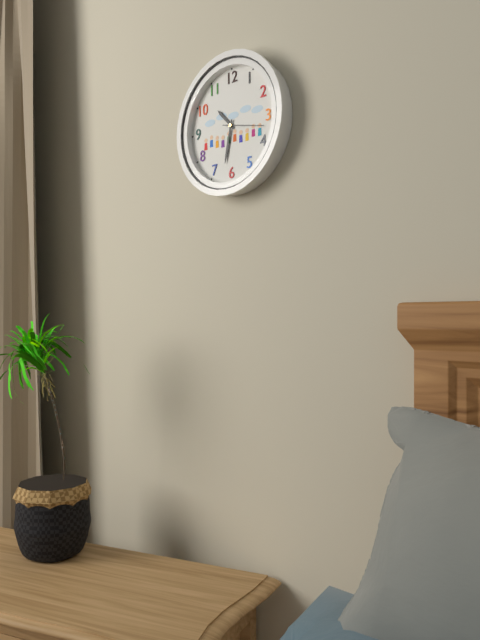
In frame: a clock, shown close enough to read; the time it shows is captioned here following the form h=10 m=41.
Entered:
h=10 m=32
